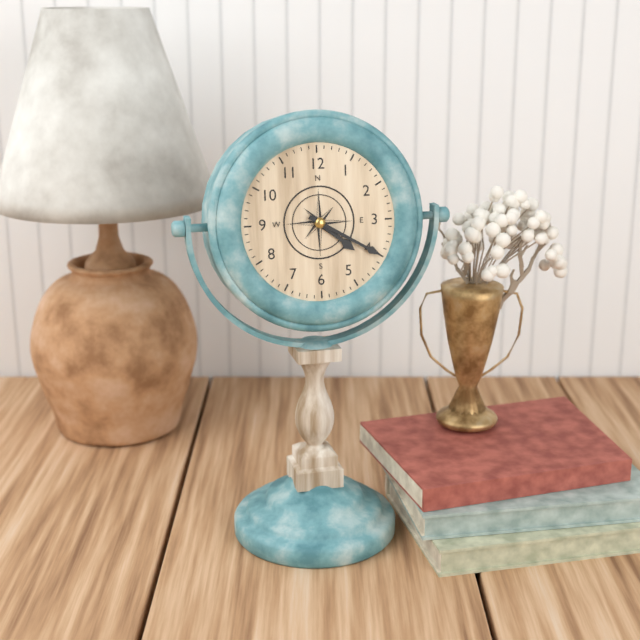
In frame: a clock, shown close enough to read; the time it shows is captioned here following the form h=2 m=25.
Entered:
h=4 m=20
